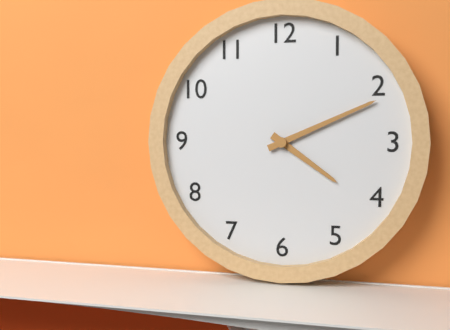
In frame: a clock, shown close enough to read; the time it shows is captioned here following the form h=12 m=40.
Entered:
h=4 m=11
